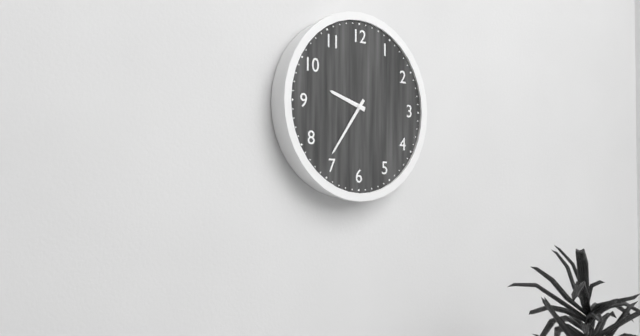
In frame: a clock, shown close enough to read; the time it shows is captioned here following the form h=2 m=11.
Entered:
h=9 m=36
